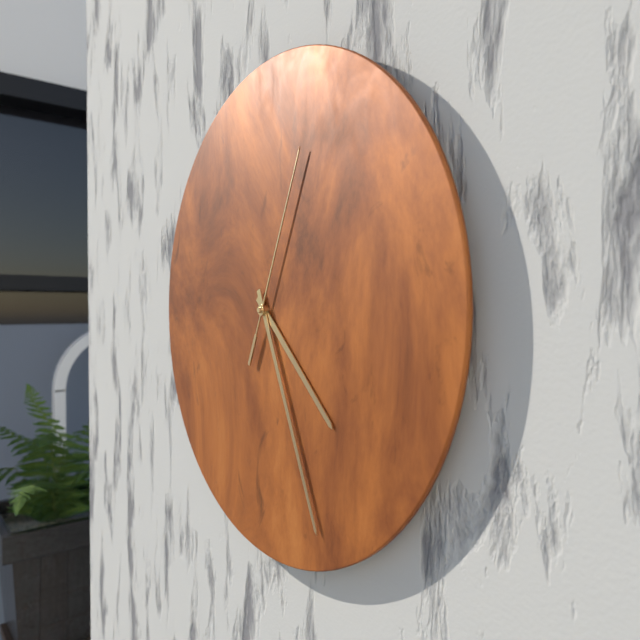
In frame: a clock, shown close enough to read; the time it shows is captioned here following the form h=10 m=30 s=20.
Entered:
h=4 m=26 s=4
